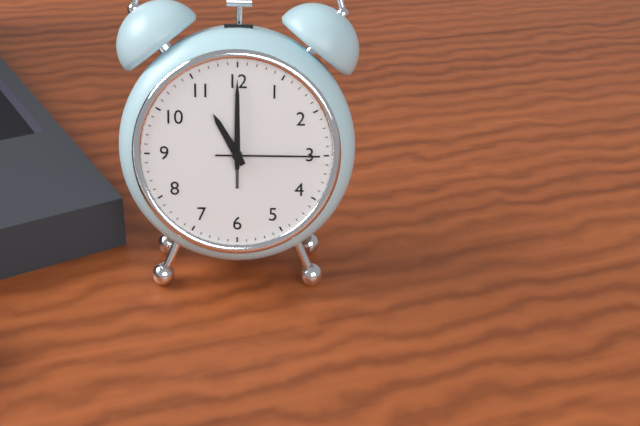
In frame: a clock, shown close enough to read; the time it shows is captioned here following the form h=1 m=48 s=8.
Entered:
h=11 m=0 s=15
